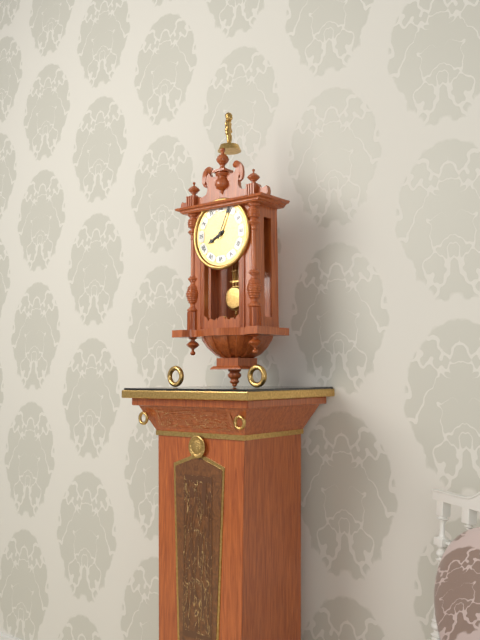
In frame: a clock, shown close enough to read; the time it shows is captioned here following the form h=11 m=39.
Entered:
h=8 m=4
